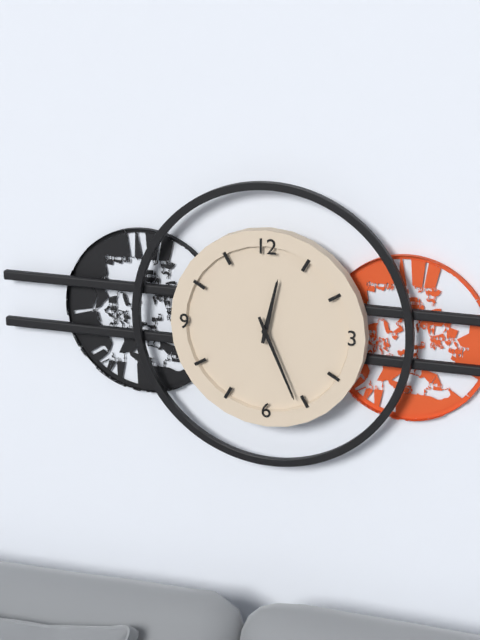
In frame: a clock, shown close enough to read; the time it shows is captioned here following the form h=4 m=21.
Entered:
h=12 m=26
